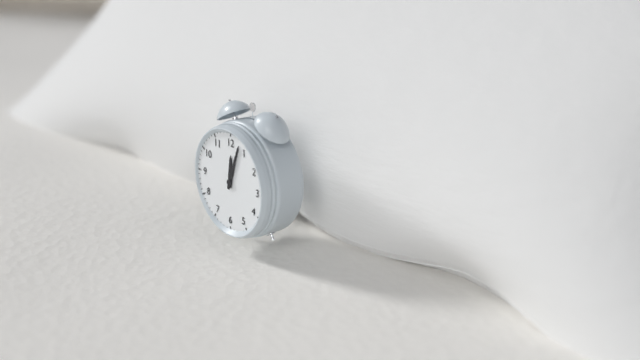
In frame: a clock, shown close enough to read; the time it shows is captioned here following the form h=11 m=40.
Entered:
h=12 m=3
